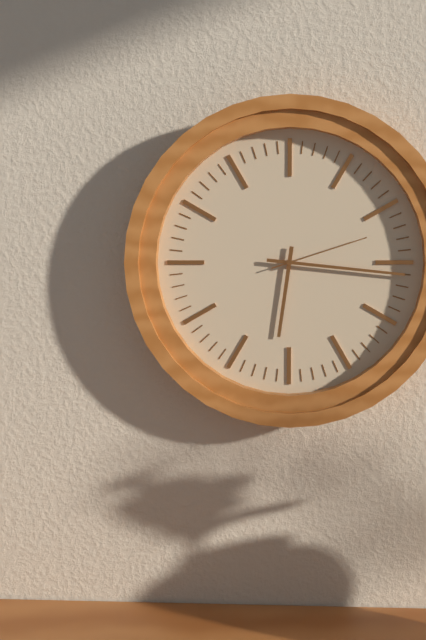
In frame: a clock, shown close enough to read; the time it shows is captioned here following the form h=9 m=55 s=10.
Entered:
h=6 m=16 s=12
